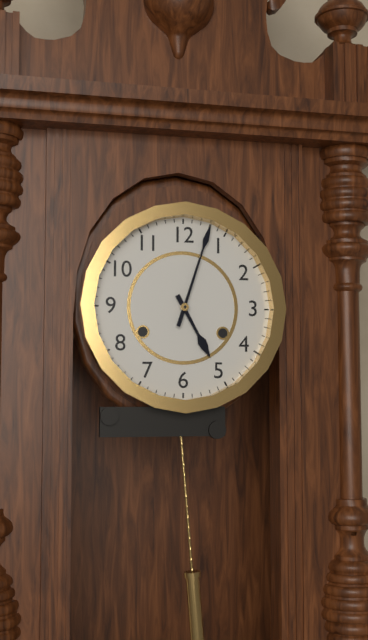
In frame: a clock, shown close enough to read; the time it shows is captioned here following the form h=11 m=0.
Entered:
h=5 m=3
